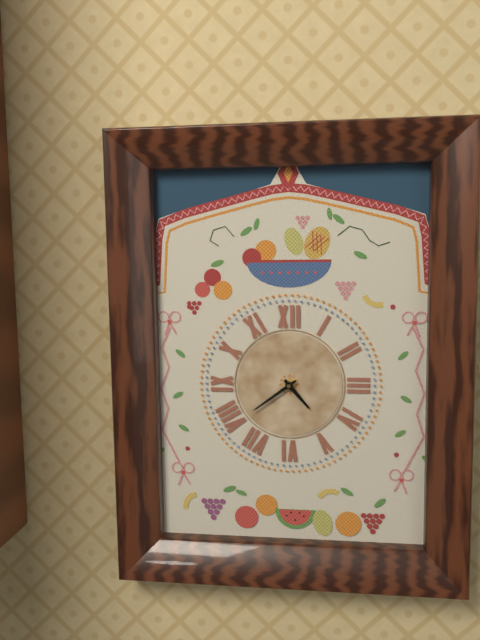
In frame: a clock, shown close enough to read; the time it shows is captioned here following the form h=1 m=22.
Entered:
h=4 m=39
